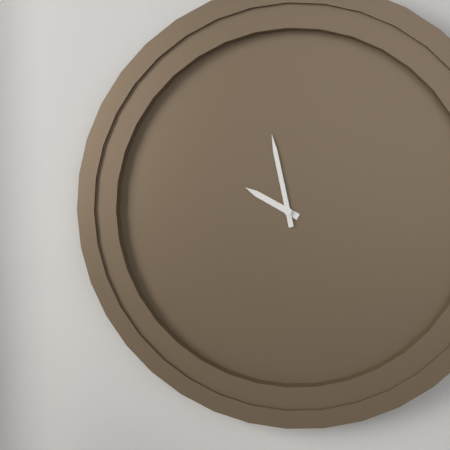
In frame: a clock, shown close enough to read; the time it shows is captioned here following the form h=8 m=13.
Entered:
h=9 m=58
